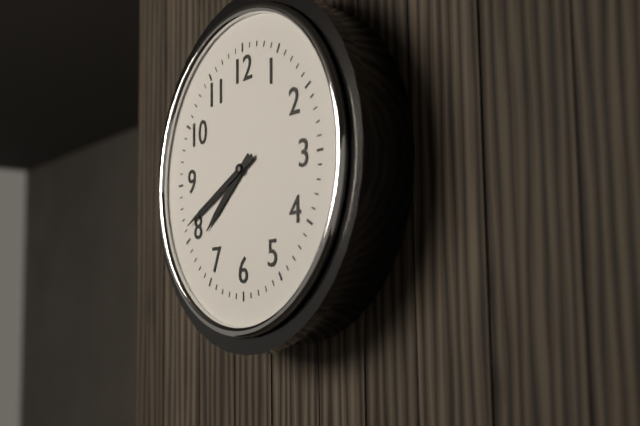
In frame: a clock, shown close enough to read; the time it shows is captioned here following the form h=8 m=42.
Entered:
h=7 m=41
